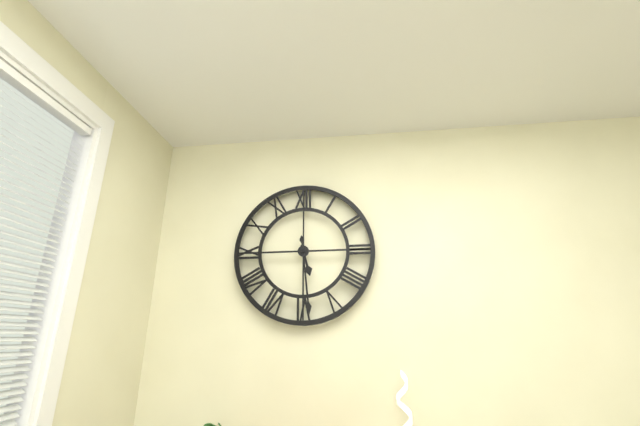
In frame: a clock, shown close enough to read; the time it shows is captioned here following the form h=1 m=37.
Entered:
h=5 m=29
